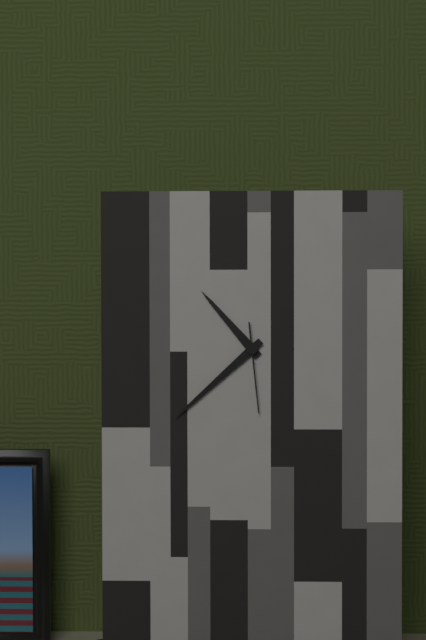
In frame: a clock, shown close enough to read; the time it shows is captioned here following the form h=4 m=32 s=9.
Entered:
h=10 m=38 s=29
